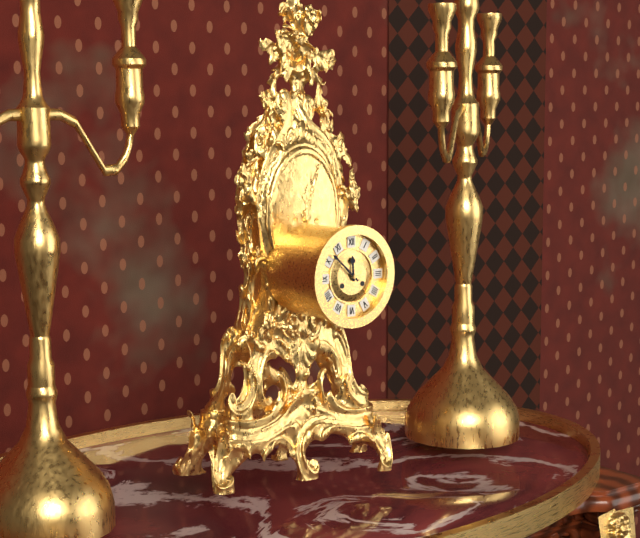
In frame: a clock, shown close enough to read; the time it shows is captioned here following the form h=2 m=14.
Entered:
h=11 m=52
